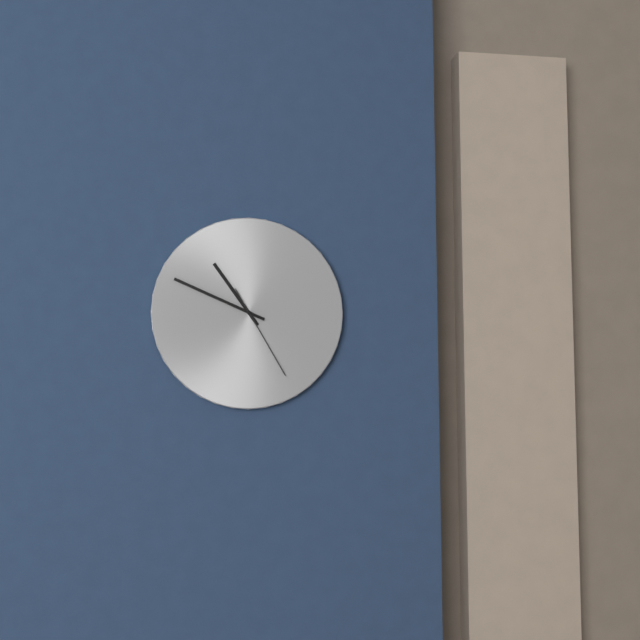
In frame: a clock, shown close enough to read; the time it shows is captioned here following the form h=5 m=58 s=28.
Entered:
h=10 m=49 s=25
